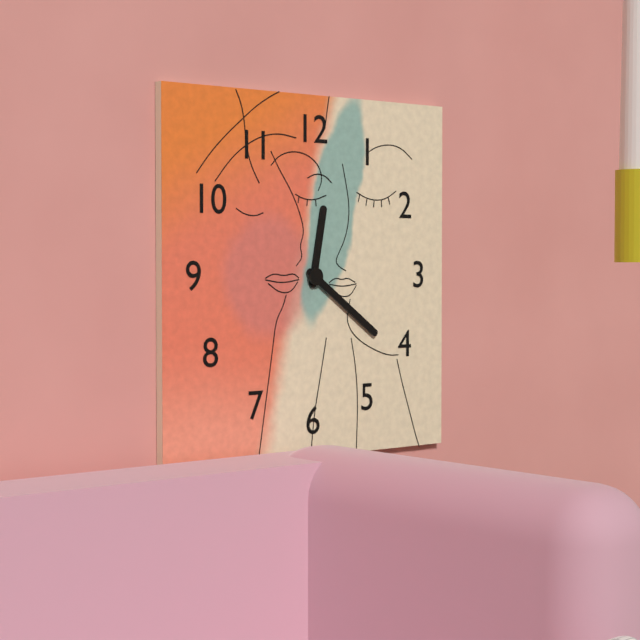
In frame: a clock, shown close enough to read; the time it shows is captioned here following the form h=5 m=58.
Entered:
h=12 m=21
